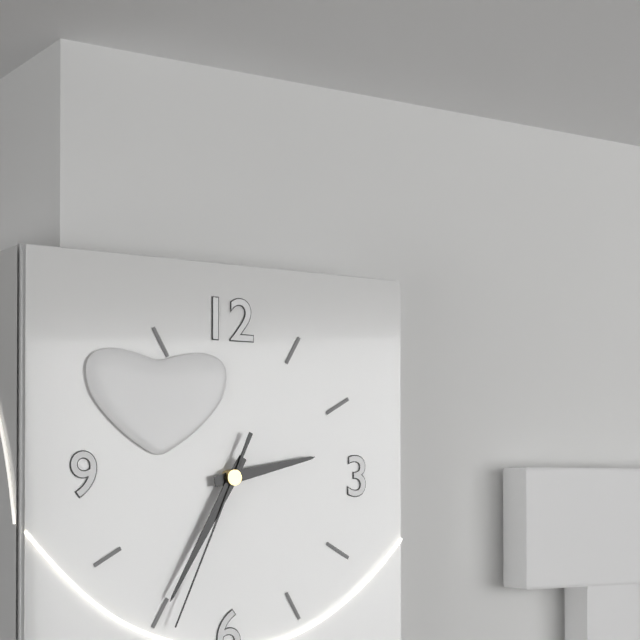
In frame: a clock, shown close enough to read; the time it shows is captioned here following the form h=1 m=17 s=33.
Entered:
h=2 m=35 s=34
